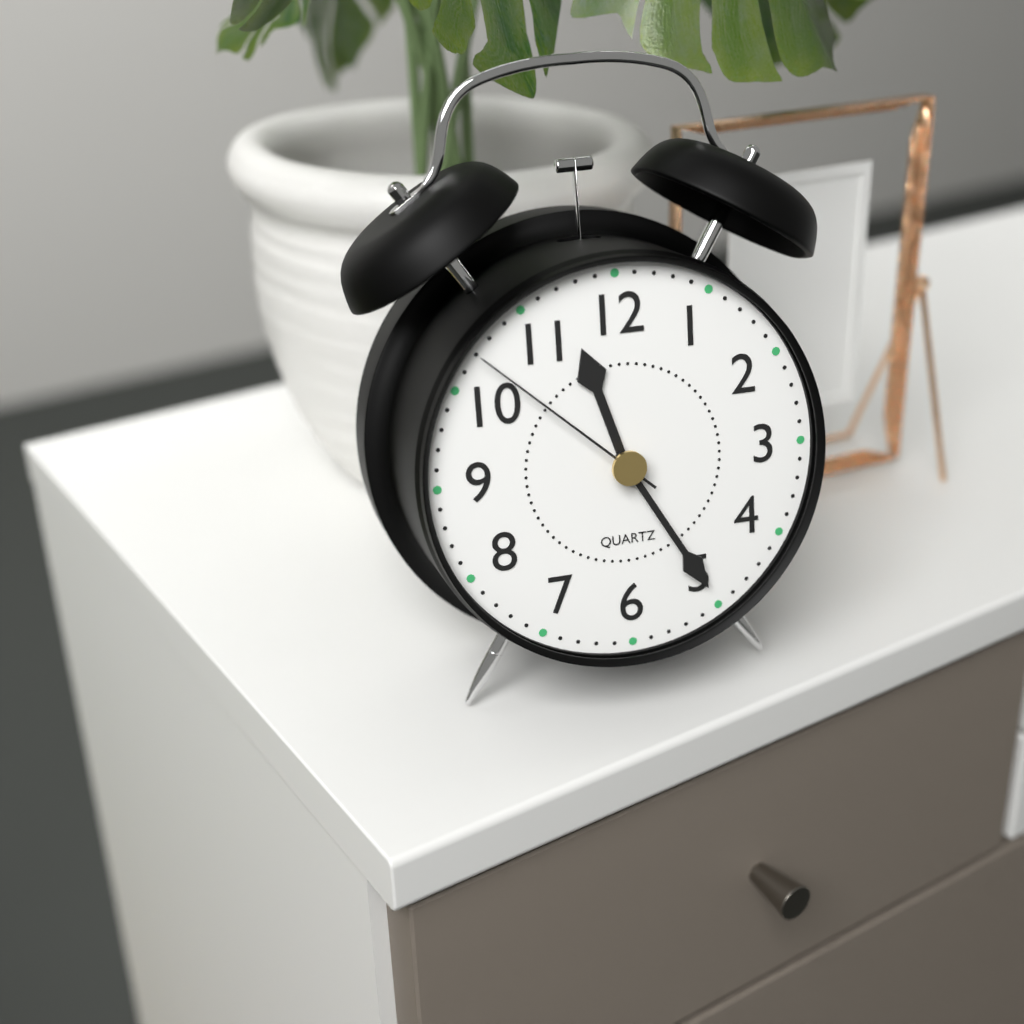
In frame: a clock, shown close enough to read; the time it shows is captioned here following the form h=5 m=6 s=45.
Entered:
h=11 m=25 s=52
